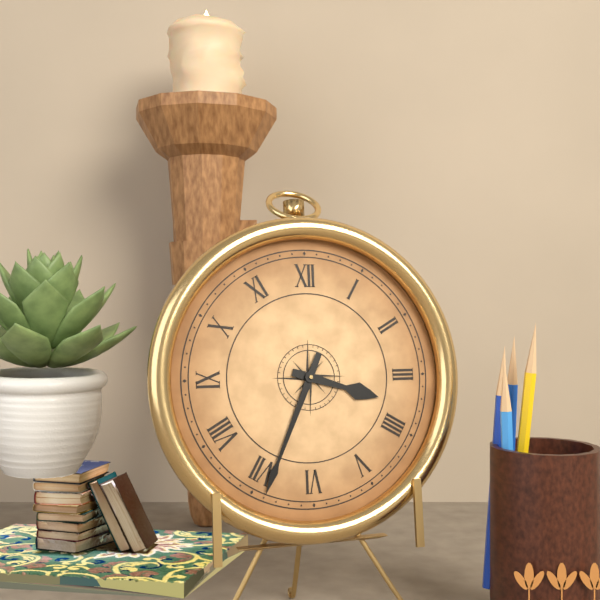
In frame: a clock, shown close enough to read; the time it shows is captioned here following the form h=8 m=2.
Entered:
h=3 m=34
